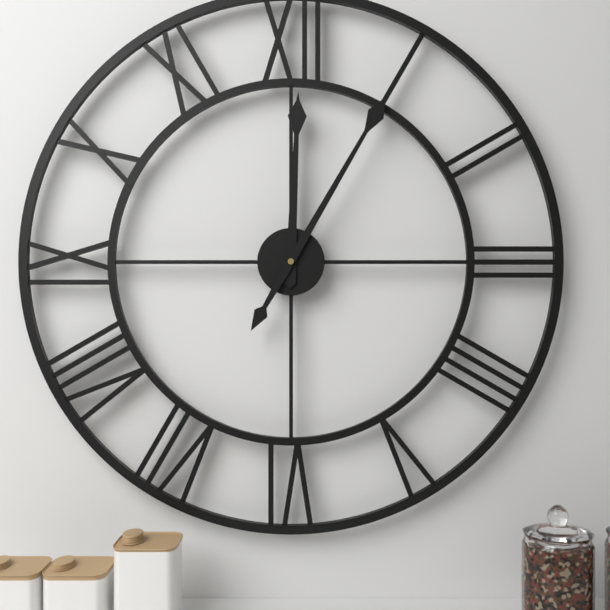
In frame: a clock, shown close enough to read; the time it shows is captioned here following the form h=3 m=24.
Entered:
h=12 m=5
